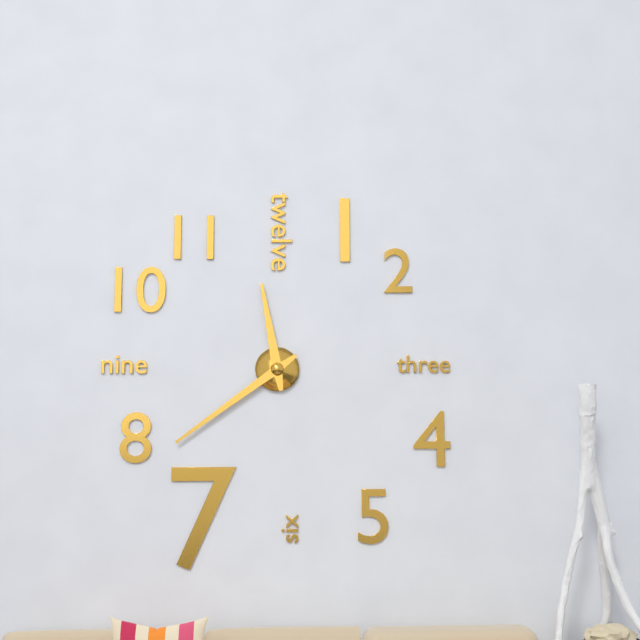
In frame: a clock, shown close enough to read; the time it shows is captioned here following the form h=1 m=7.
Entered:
h=11 m=39
